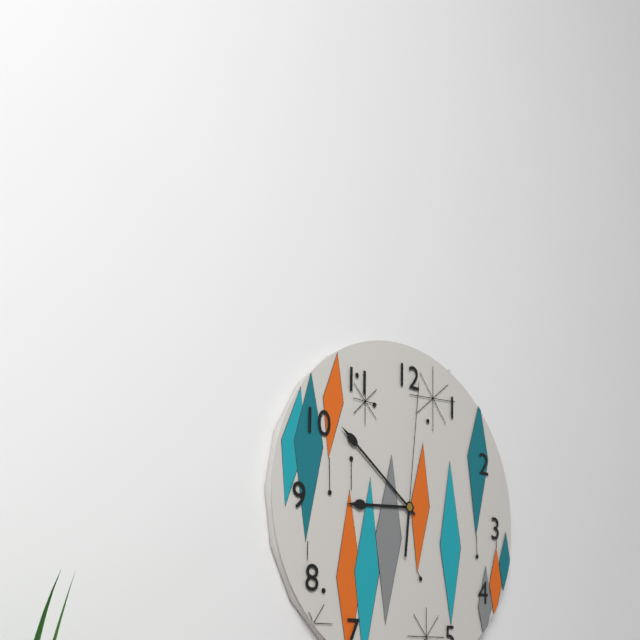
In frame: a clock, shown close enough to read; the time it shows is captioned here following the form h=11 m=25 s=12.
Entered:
h=8 m=51 s=1
